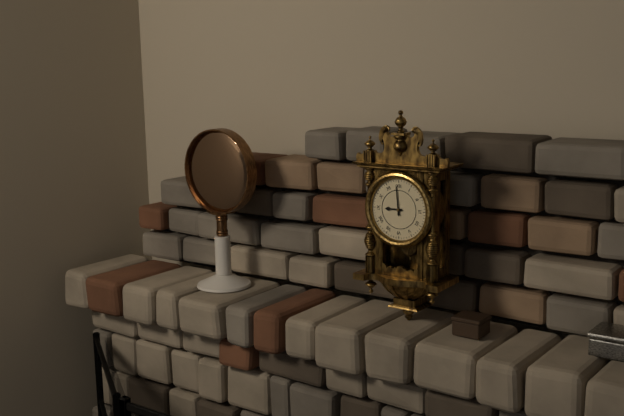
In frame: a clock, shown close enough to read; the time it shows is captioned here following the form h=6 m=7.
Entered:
h=8 m=59
